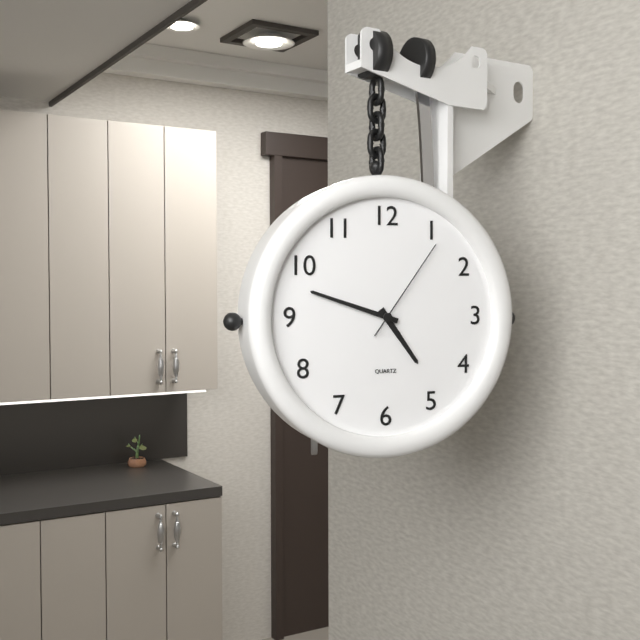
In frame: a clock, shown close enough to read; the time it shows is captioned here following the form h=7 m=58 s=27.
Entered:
h=4 m=48 s=6
